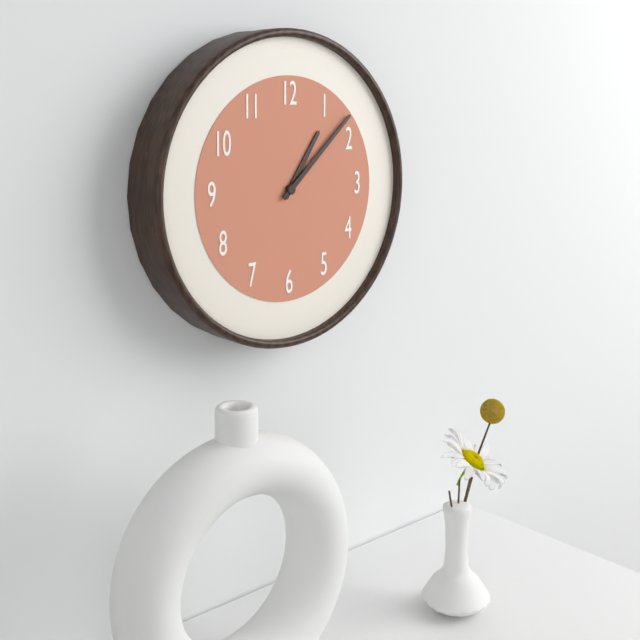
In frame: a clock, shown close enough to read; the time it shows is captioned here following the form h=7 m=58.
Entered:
h=1 m=8
